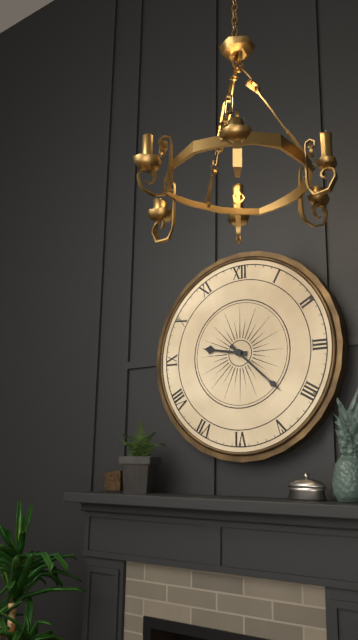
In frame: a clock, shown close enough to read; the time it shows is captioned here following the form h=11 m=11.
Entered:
h=9 m=22
